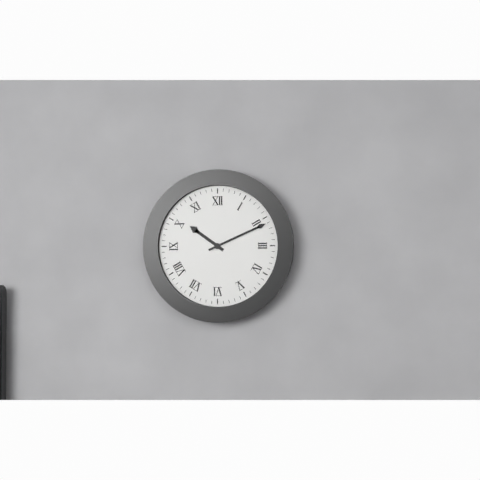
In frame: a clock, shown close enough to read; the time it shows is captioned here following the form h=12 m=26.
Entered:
h=10 m=11
